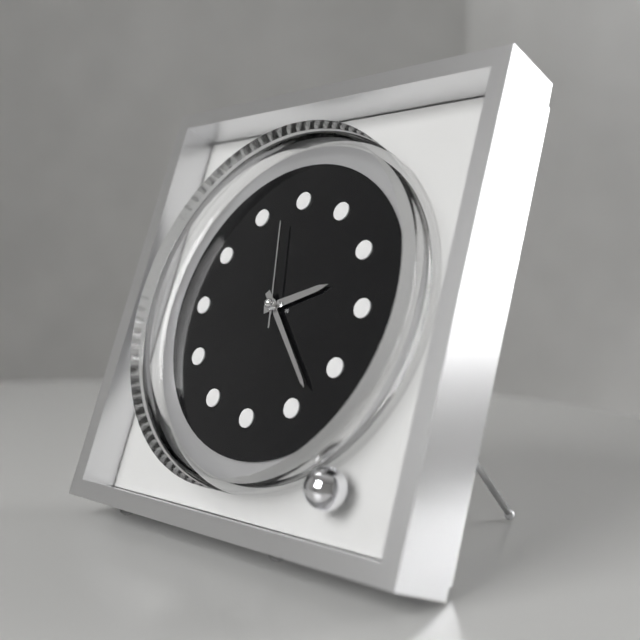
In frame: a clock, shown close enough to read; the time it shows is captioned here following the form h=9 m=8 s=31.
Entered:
h=2 m=23 s=58
